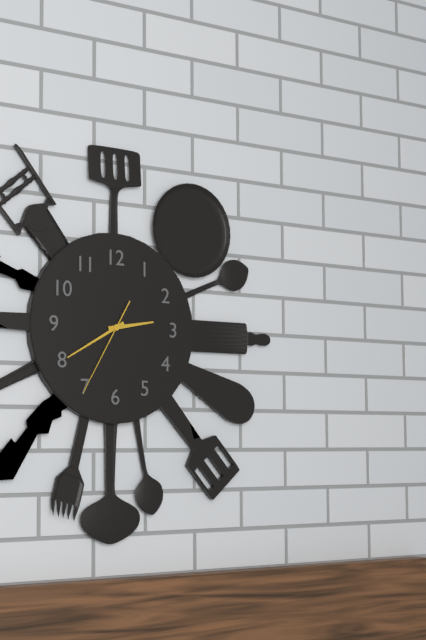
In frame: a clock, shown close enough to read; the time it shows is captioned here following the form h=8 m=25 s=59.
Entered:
h=2 m=40 s=35
